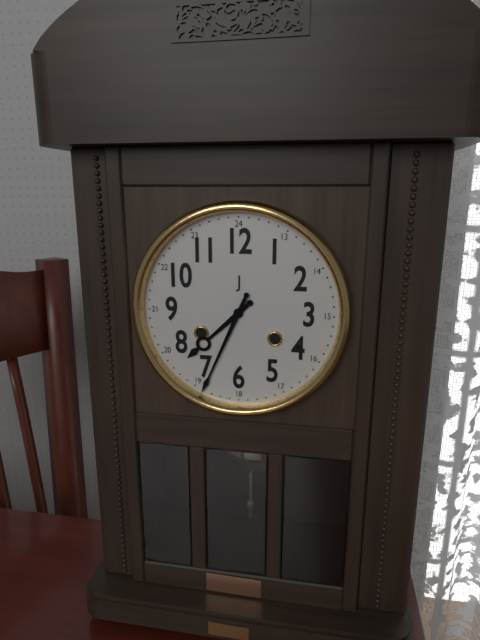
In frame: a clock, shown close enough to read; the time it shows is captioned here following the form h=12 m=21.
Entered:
h=7 m=34
